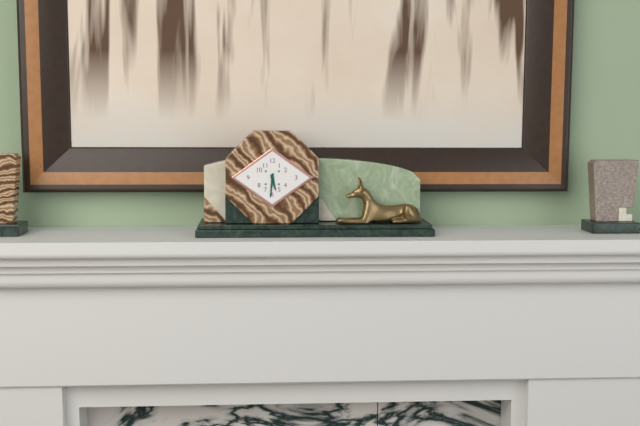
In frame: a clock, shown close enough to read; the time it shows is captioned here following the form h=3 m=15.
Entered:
h=5 m=31
